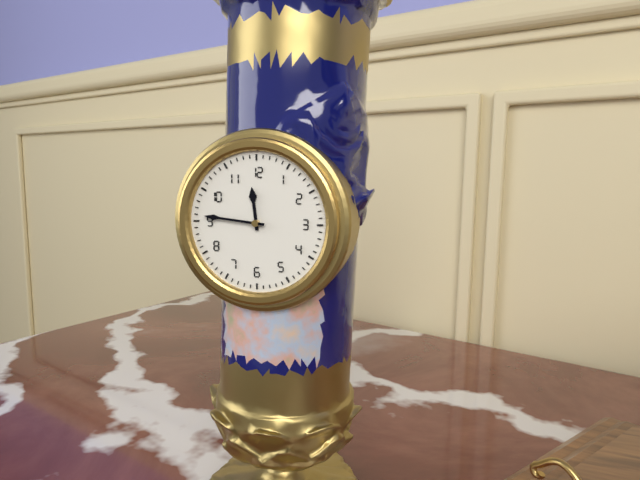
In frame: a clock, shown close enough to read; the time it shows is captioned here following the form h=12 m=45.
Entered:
h=11 m=46
